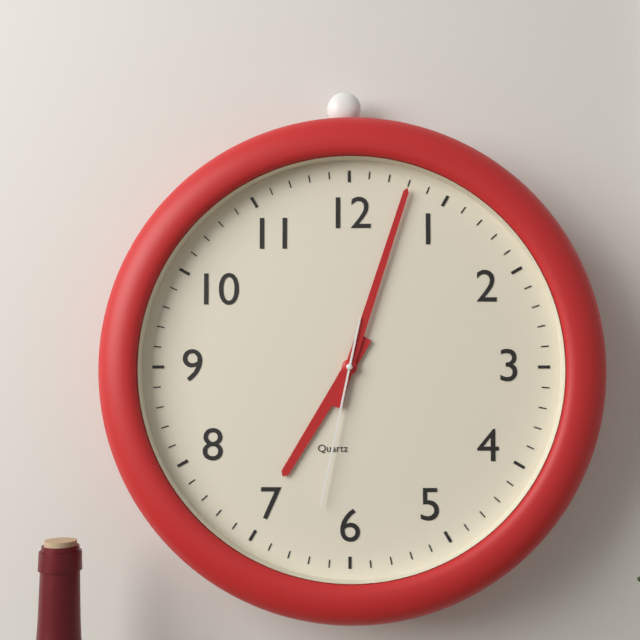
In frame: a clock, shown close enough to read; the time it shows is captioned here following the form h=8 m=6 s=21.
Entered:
h=7 m=3 s=32
